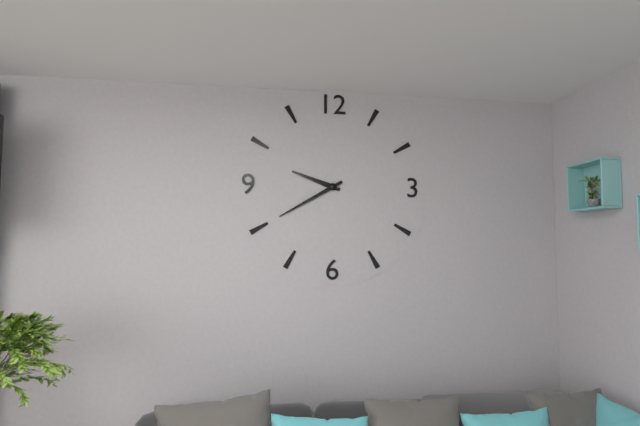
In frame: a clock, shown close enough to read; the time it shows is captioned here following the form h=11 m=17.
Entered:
h=9 m=40
